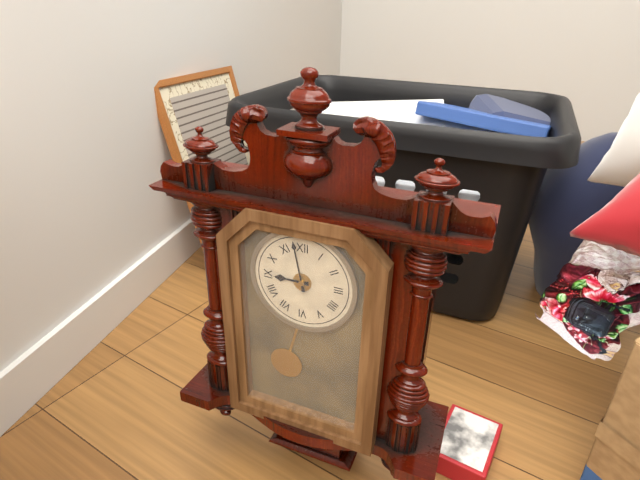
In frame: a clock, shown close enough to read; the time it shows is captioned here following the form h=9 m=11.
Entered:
h=8 m=58
